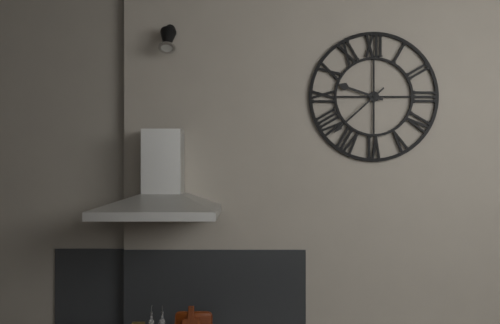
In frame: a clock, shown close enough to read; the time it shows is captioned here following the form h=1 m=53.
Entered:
h=9 m=38
